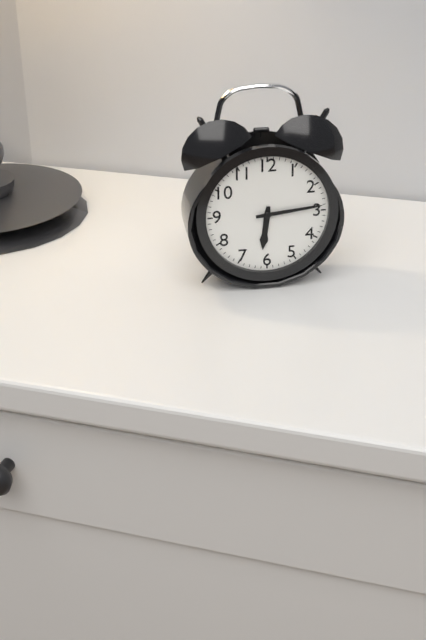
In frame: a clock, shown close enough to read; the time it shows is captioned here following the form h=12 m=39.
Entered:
h=6 m=14
